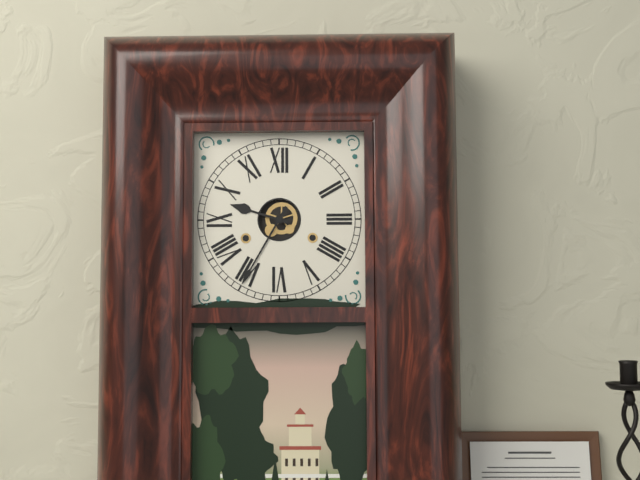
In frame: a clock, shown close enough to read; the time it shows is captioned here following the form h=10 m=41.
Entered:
h=9 m=35
